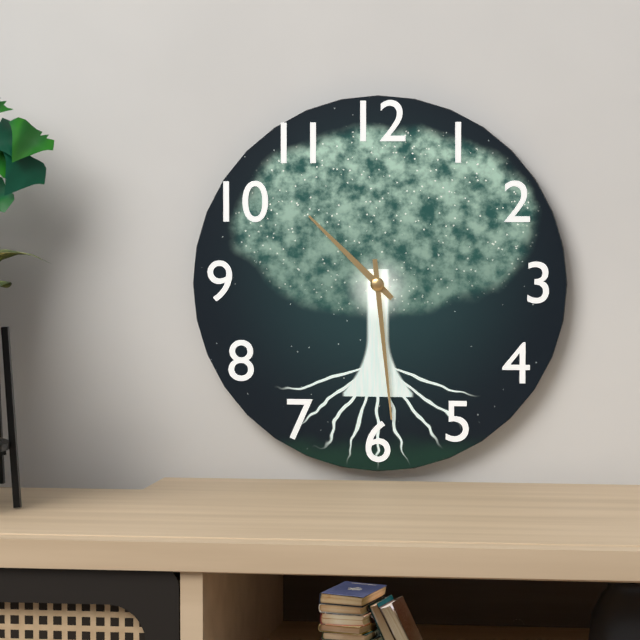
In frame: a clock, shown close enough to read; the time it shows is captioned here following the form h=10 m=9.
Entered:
h=10 m=29
